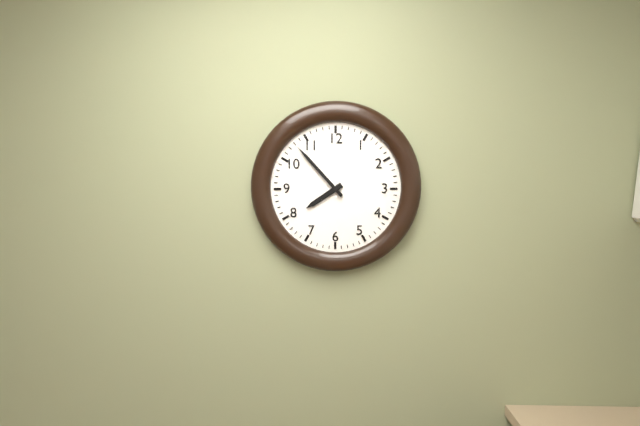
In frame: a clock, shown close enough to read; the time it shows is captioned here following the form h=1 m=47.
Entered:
h=7 m=53
